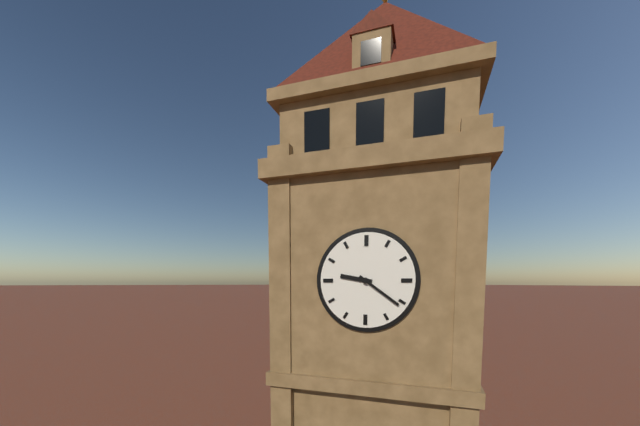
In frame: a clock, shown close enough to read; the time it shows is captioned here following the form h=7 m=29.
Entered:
h=9 m=21
